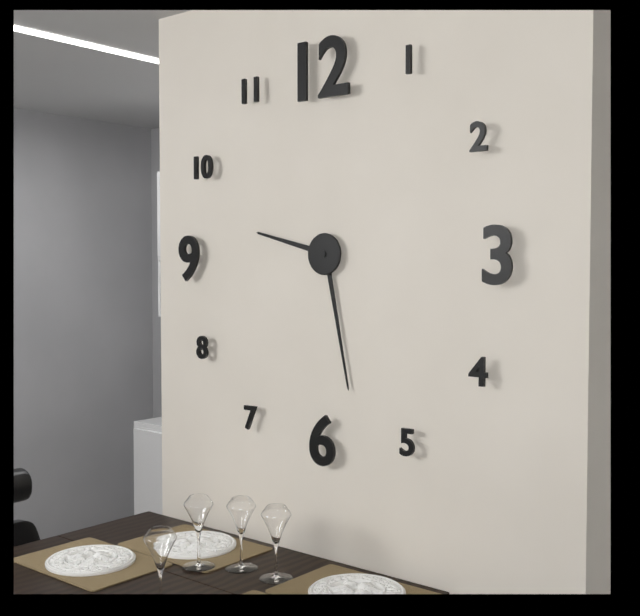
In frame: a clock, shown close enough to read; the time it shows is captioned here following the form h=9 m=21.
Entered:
h=9 m=28
